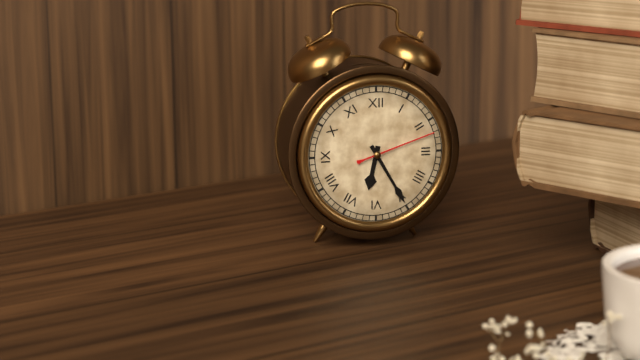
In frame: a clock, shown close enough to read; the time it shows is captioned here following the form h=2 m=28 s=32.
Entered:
h=6 m=25 s=12
